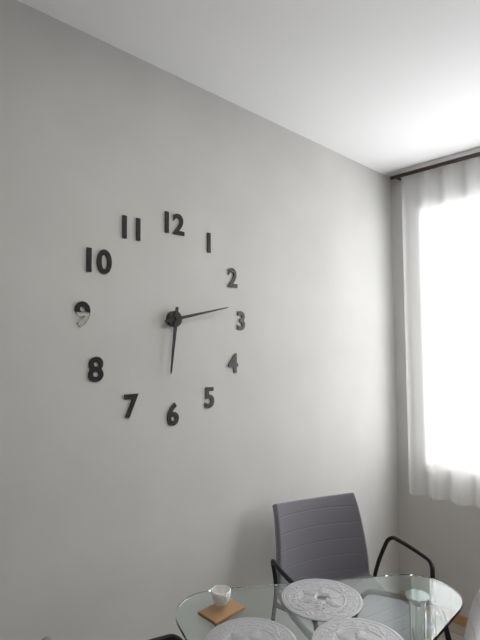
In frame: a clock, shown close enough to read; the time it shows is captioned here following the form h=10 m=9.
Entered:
h=6 m=13
